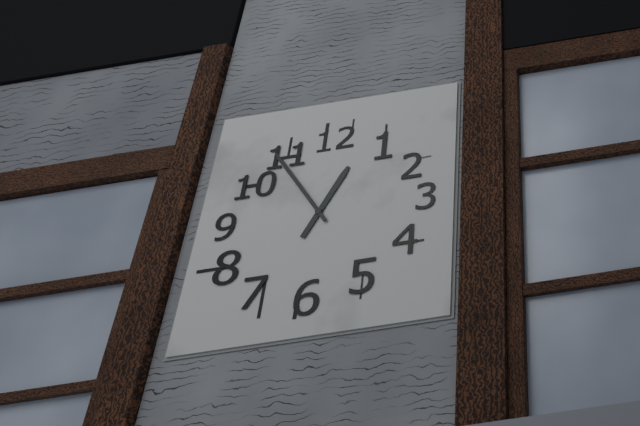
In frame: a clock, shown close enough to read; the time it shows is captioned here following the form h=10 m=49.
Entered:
h=12 m=54
